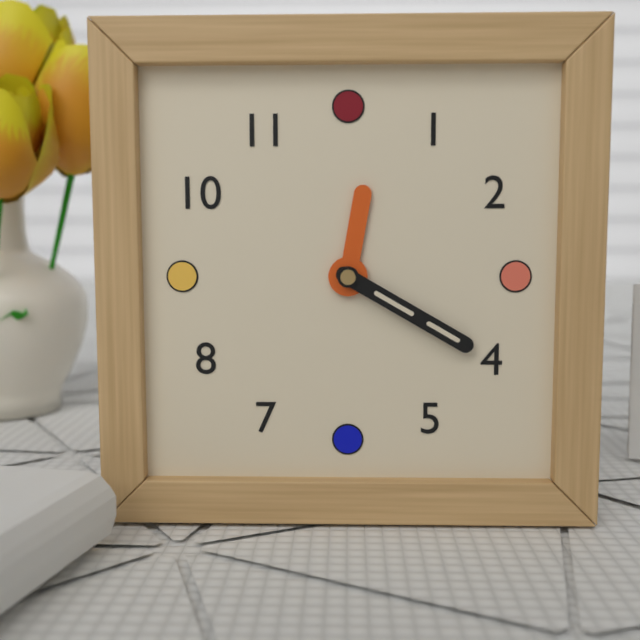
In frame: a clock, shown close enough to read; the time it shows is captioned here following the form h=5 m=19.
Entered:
h=12 m=20
